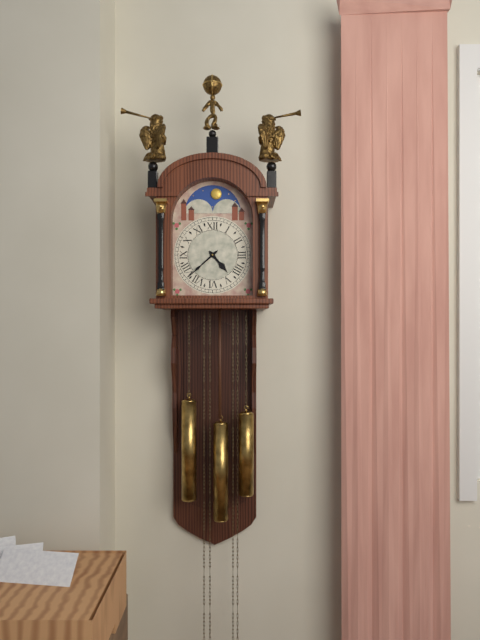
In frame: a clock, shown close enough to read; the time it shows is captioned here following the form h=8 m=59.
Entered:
h=4 m=38
